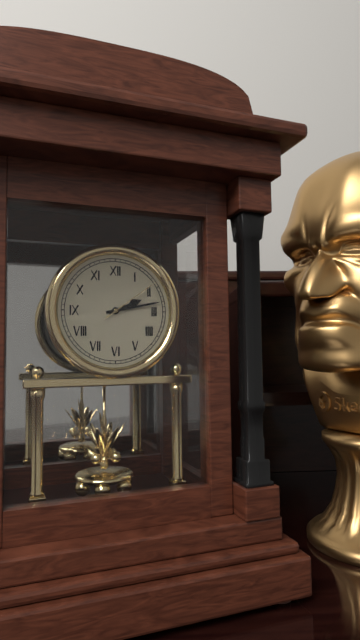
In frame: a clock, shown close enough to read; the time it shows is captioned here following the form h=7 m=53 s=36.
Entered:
h=2 m=13 s=9
